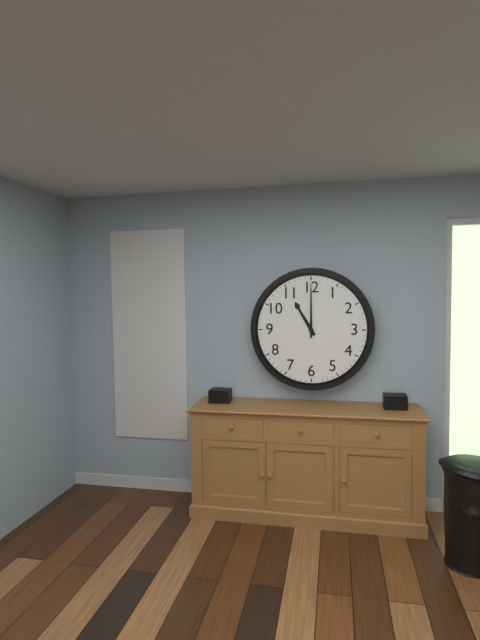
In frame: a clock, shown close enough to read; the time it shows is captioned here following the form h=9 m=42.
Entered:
h=11 m=0
